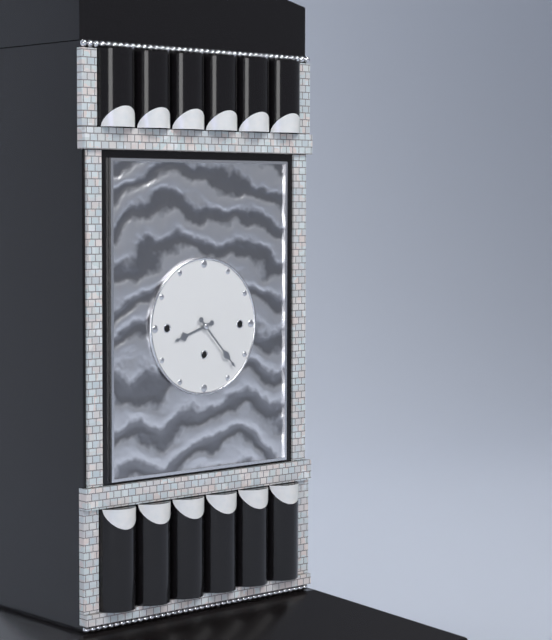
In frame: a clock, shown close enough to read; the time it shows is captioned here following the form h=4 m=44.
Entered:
h=8 m=23
